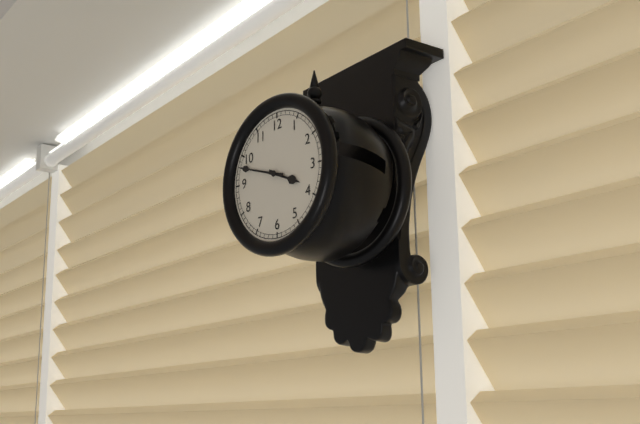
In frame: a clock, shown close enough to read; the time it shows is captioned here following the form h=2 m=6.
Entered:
h=3 m=48
